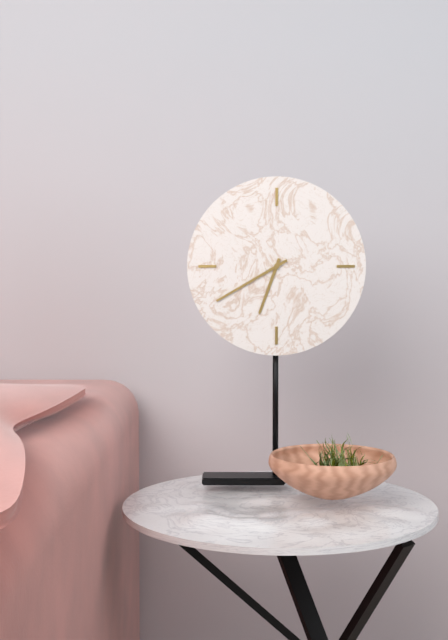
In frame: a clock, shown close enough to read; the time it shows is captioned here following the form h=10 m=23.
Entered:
h=6 m=40
